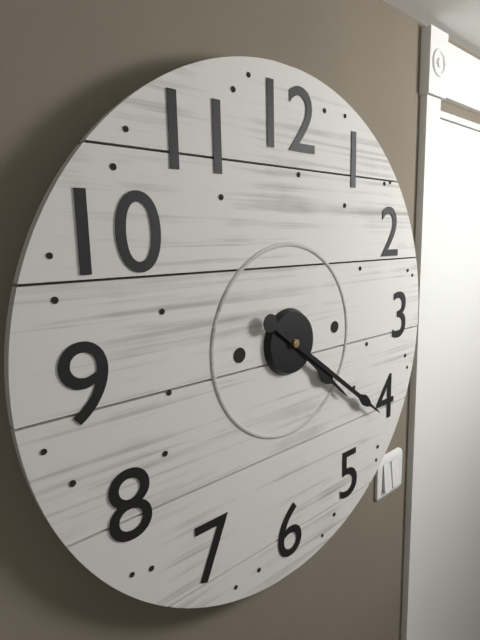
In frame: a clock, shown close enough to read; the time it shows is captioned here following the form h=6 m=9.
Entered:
h=4 m=21
